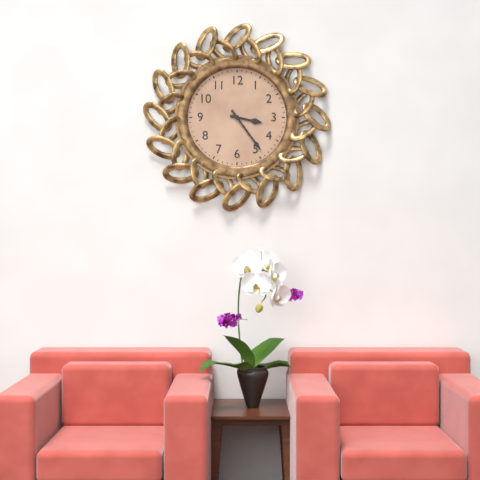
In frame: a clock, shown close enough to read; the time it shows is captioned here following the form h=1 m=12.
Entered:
h=3 m=24
